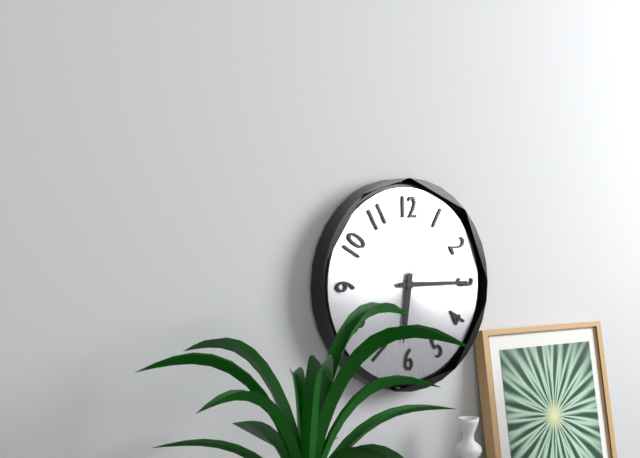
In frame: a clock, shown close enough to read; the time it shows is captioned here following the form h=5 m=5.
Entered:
h=6 m=15
